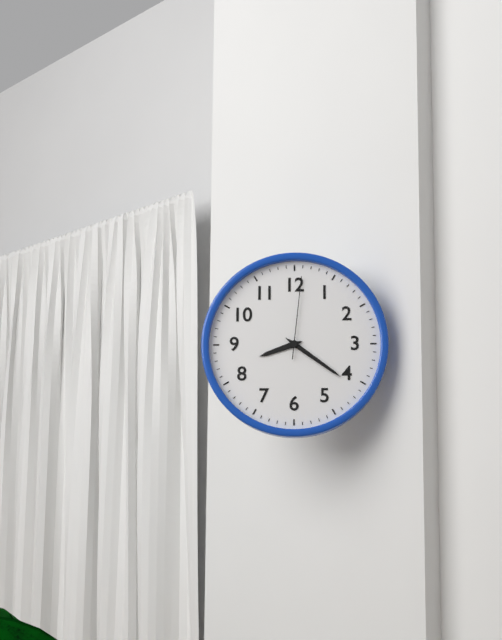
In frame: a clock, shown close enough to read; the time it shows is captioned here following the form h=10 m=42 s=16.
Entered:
h=8 m=21 s=1
